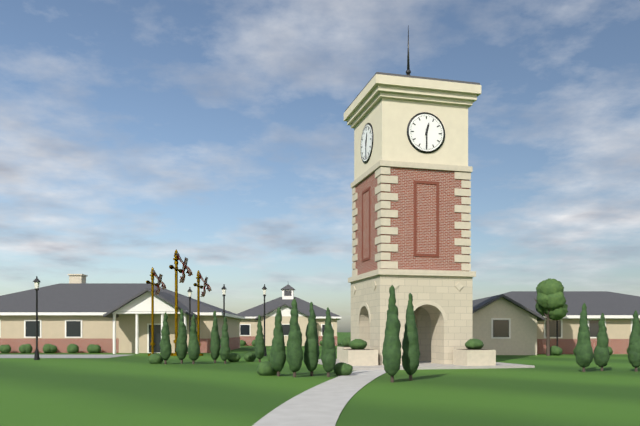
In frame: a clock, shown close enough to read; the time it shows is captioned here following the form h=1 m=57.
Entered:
h=12 m=30
